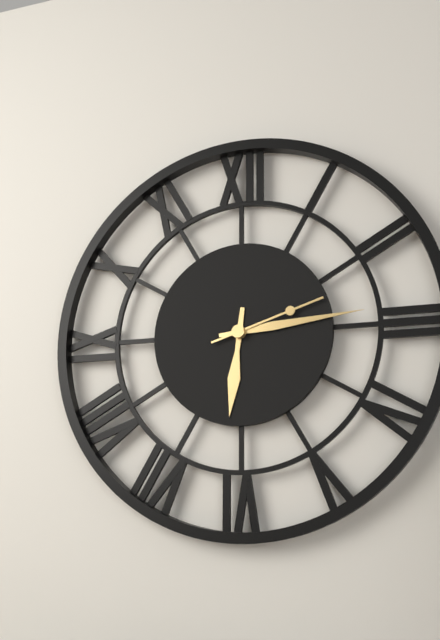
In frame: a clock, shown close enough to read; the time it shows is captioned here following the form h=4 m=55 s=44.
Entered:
h=6 m=14 s=12
